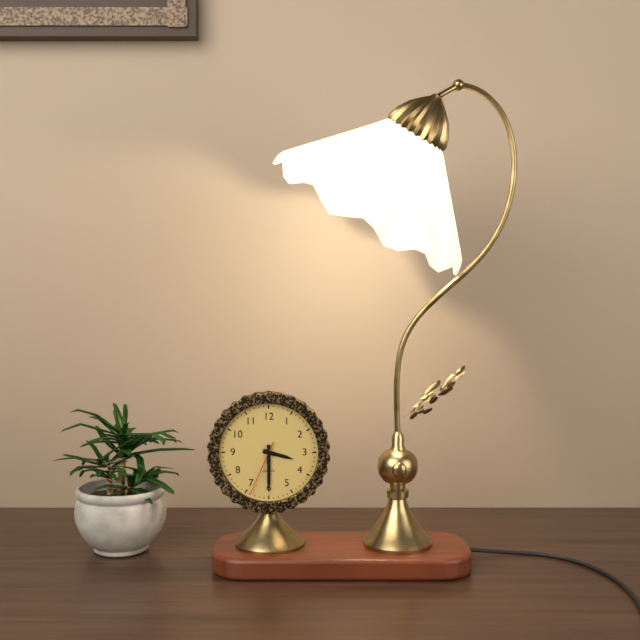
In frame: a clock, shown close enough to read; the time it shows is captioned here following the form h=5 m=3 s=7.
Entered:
h=3 m=30 s=34
